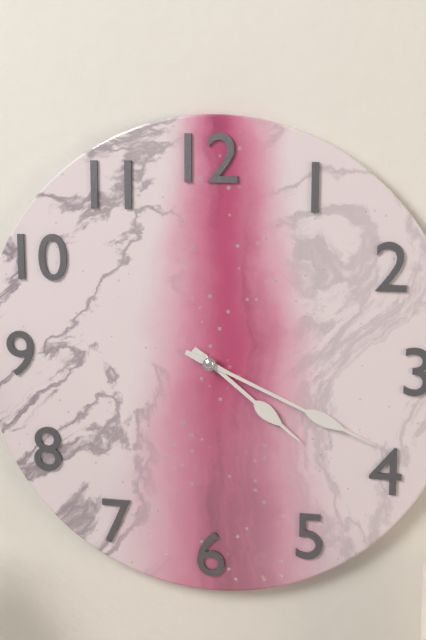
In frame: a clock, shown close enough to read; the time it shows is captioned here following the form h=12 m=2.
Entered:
h=4 m=19
